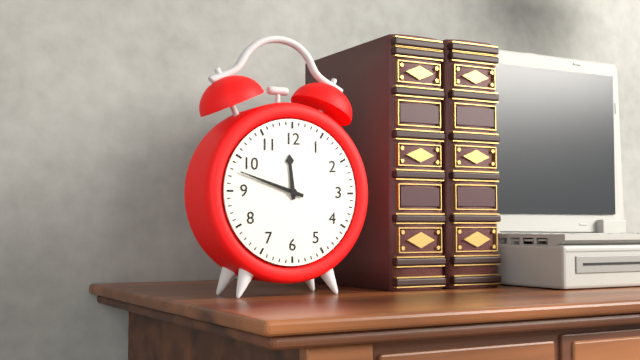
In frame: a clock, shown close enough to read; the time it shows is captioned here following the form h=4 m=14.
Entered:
h=11 m=48
